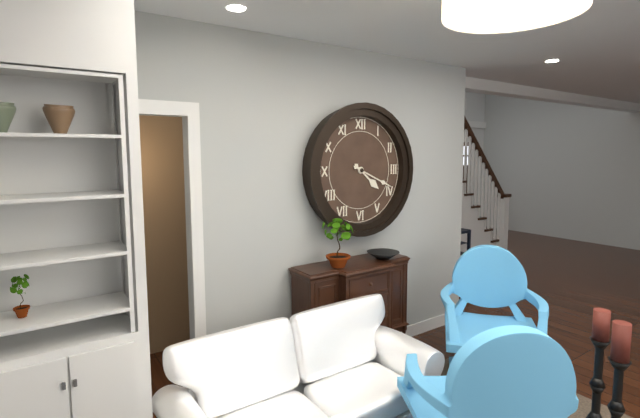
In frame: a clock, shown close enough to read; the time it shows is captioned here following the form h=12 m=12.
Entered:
h=4 m=19
